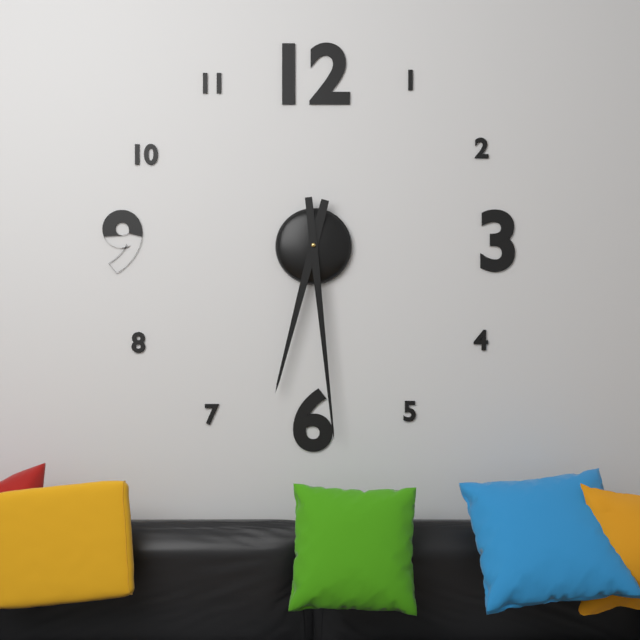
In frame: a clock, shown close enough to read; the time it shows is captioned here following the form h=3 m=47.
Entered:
h=6 m=29
